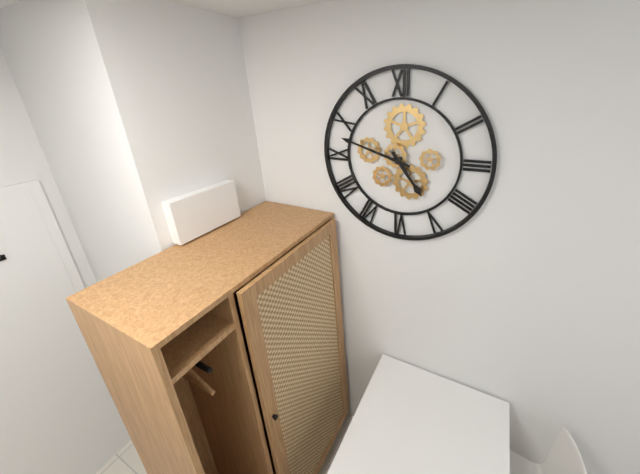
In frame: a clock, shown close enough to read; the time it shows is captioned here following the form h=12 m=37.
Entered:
h=4 m=48
